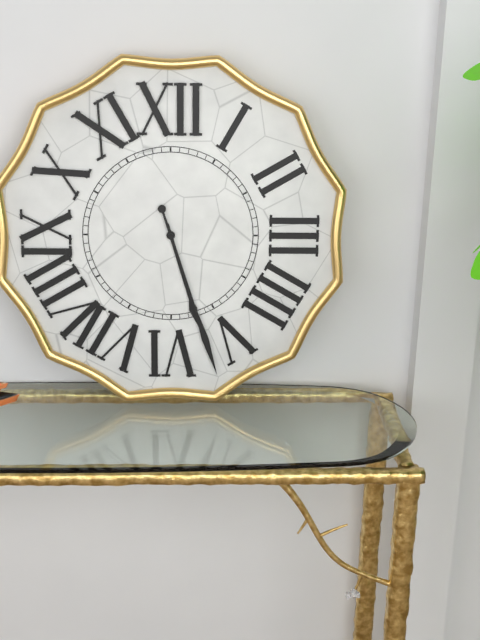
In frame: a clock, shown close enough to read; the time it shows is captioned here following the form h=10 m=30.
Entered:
h=5 m=27
